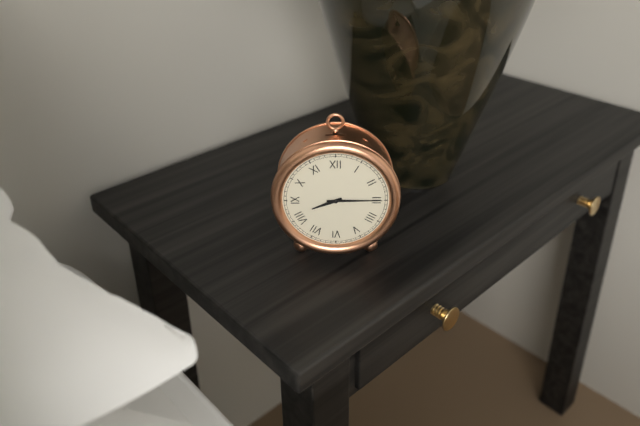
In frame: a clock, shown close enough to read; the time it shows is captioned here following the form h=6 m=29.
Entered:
h=8 m=15
